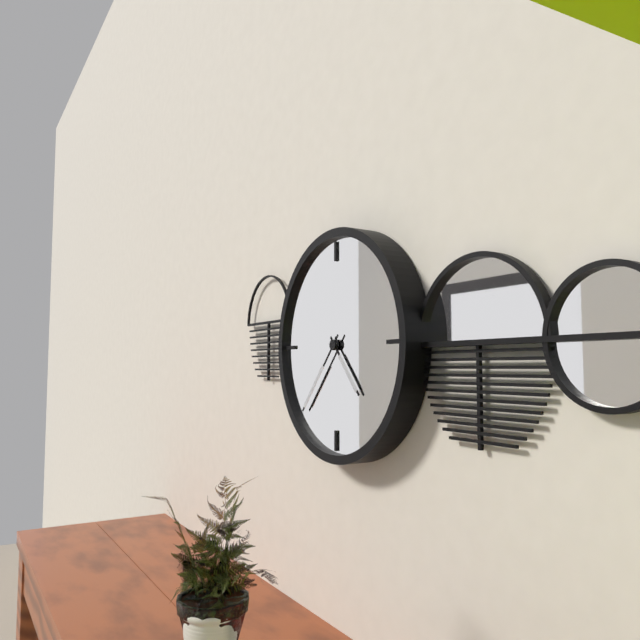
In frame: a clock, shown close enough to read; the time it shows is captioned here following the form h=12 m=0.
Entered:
h=4 m=37
